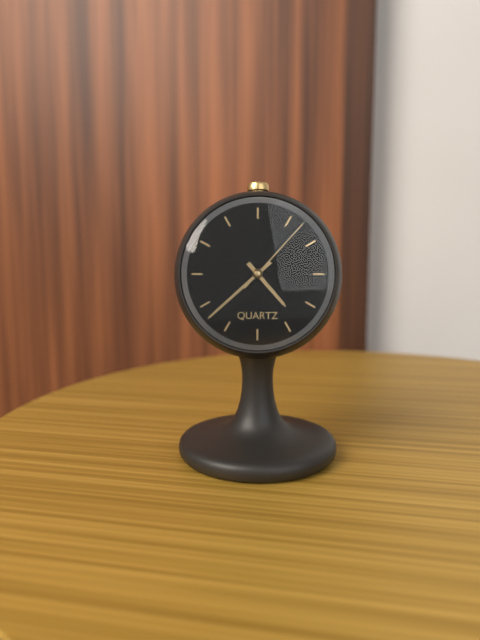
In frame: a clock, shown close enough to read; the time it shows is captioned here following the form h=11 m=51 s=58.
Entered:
h=4 m=38 s=7
